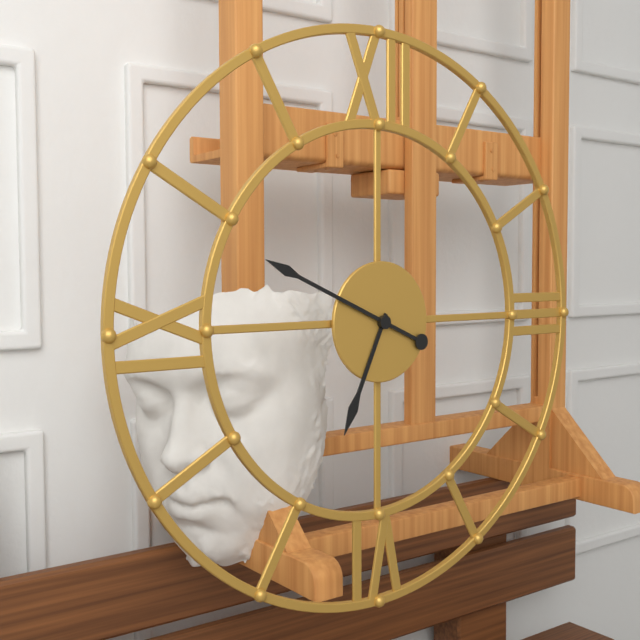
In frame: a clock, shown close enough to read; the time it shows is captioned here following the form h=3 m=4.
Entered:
h=6 m=49
